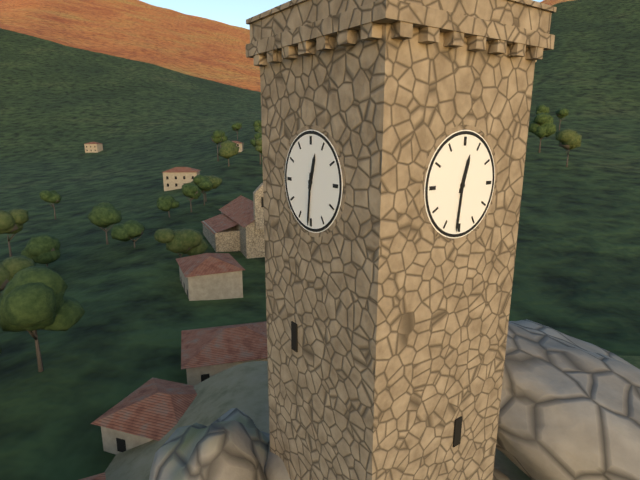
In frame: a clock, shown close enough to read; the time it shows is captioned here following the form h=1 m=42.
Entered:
h=12 m=31
